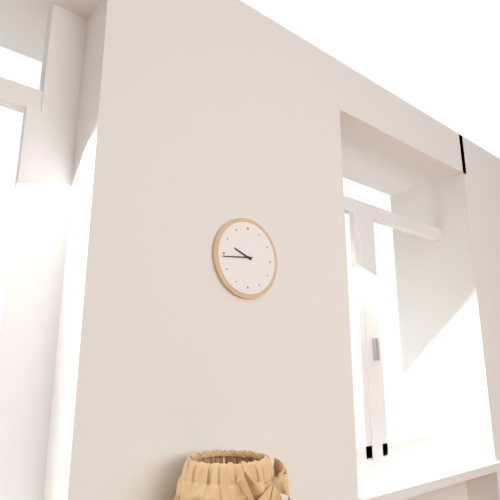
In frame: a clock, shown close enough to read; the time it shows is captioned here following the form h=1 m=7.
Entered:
h=9 m=44
